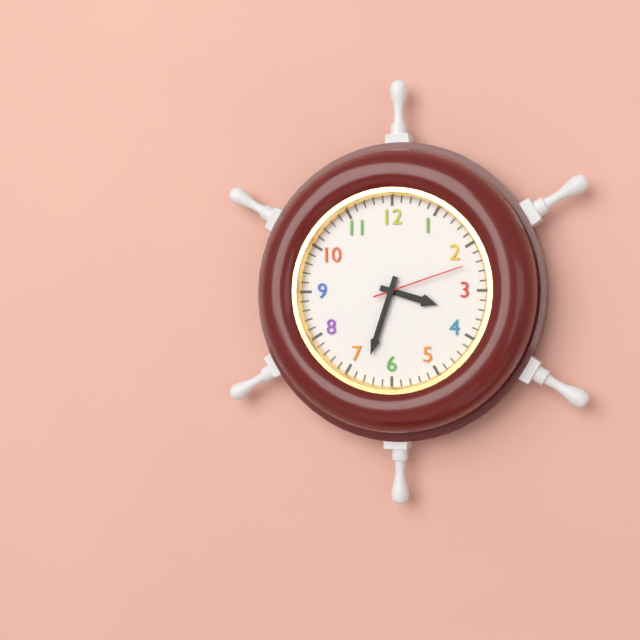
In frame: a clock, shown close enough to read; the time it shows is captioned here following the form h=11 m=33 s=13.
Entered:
h=3 m=33 s=12
